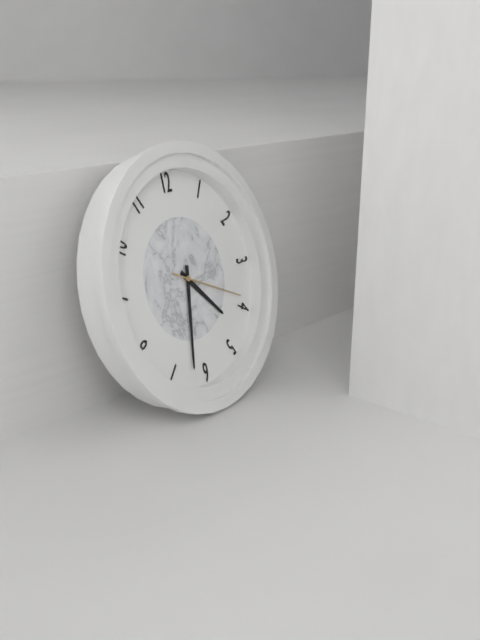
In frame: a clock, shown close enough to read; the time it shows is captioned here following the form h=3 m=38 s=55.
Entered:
h=4 m=32 s=19
